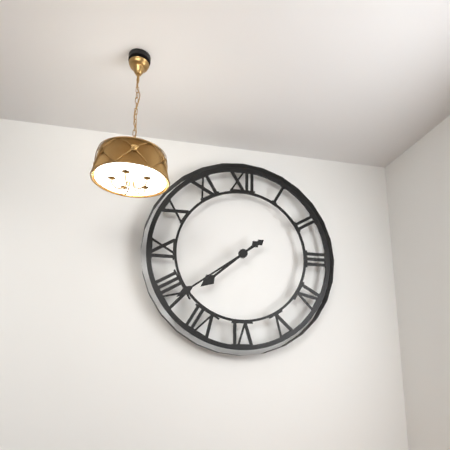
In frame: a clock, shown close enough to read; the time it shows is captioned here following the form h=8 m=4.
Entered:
h=7 m=39
